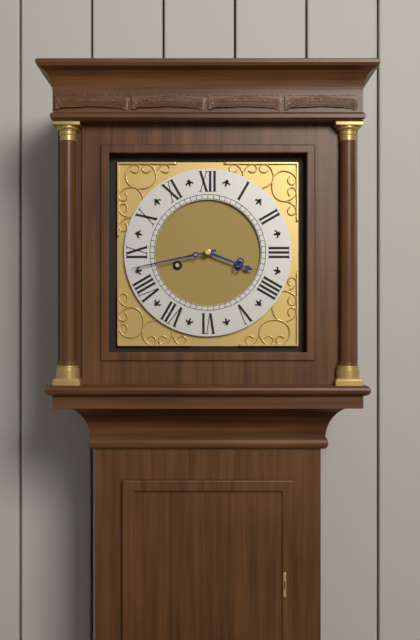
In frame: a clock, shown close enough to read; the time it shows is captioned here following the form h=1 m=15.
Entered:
h=3 m=43
